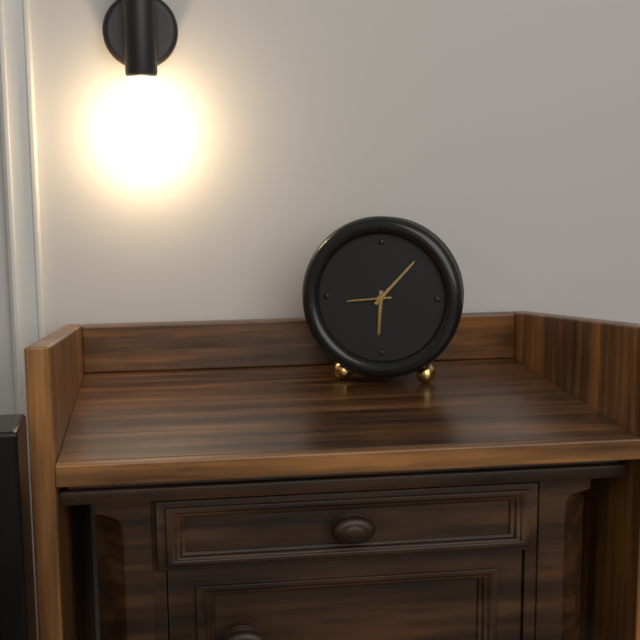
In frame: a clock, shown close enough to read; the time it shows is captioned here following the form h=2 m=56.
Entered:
h=6 m=7
